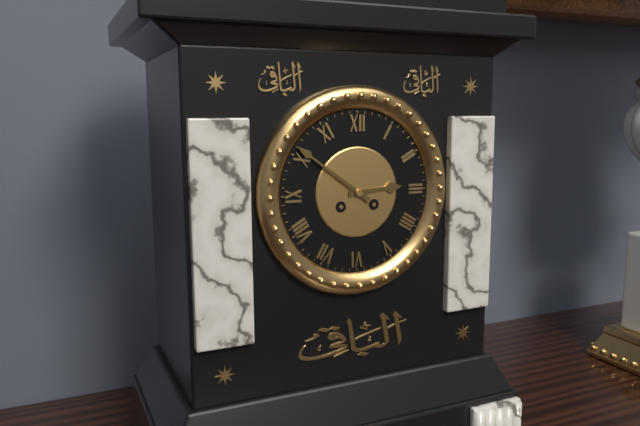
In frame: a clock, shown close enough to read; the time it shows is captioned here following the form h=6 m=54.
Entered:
h=2 m=51
